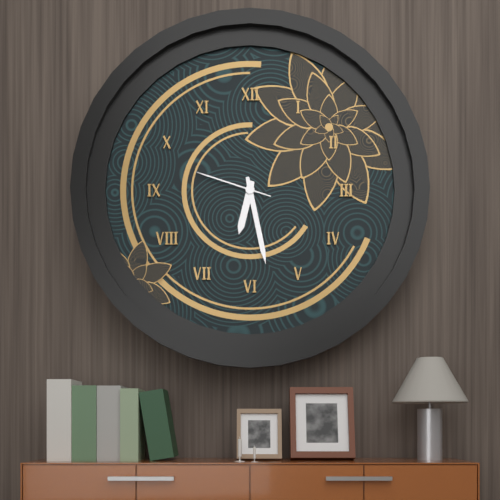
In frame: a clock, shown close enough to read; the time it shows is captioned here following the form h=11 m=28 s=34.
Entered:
h=6 m=28 s=48
